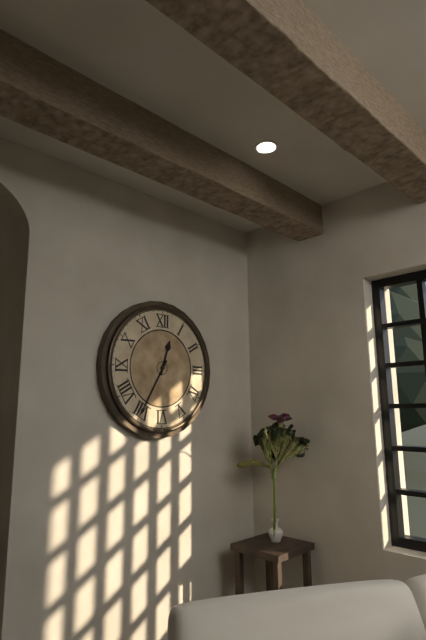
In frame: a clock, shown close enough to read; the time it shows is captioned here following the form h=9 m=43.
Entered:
h=12 m=35
